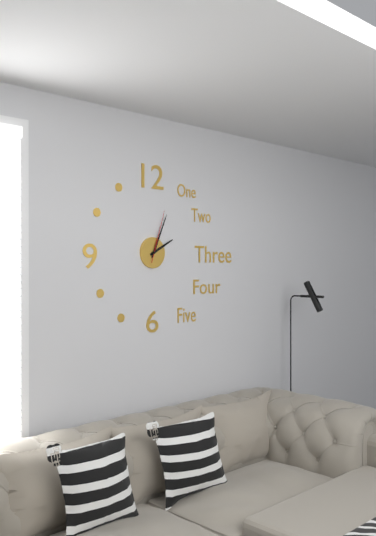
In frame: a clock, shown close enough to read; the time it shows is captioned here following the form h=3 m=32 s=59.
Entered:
h=2 m=4 s=3
